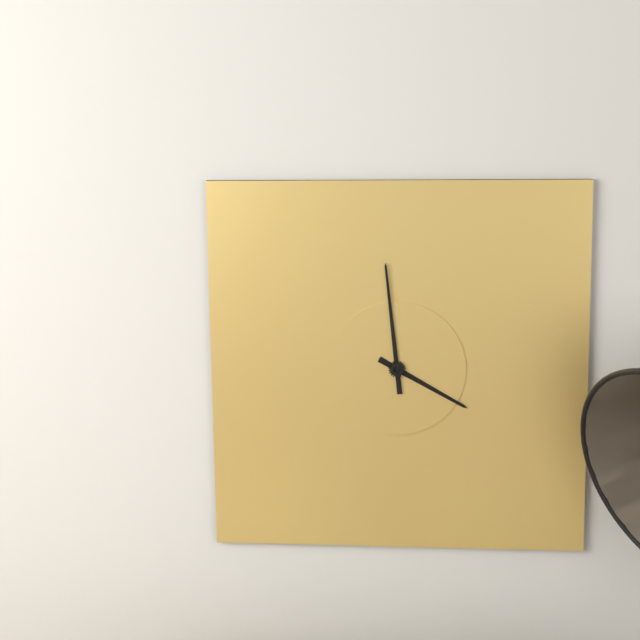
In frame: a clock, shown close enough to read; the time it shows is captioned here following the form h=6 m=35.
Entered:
h=3 m=59
